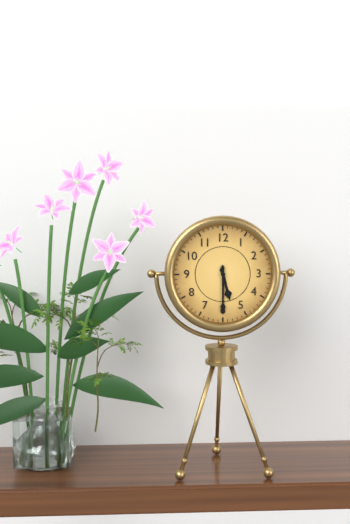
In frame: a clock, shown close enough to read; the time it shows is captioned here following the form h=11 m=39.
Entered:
h=5 m=30
